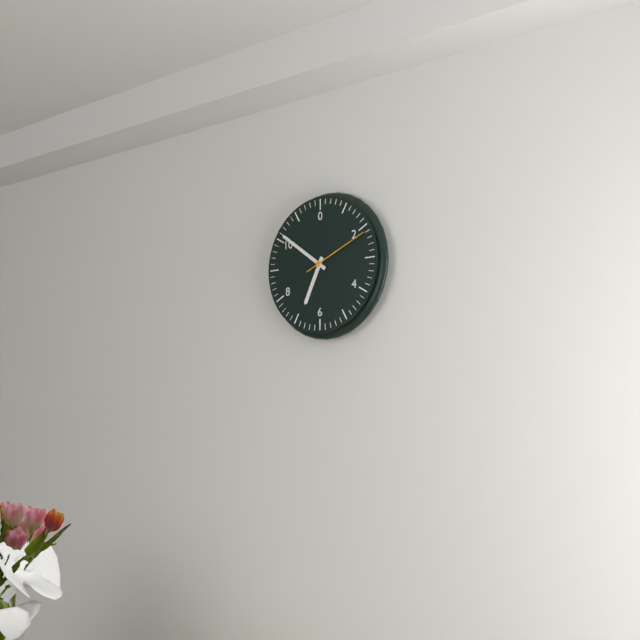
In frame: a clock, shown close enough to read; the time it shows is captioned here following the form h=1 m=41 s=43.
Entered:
h=6 m=51 s=11
